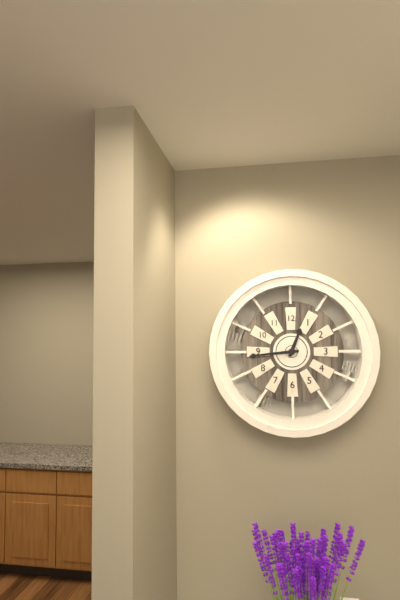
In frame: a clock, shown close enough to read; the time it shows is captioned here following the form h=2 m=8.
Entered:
h=12 m=44
